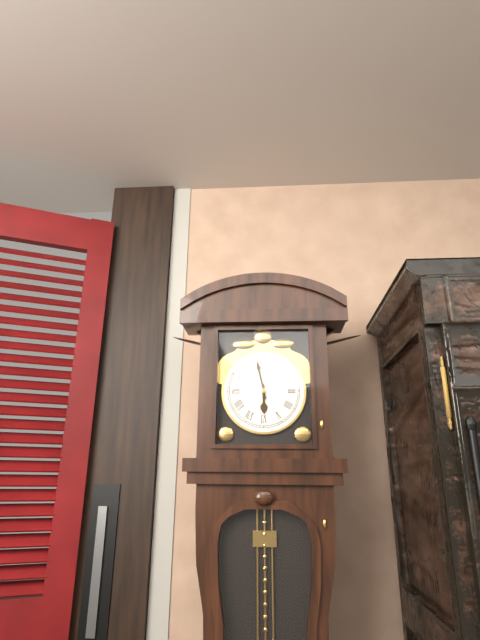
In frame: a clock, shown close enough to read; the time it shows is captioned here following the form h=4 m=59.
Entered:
h=5 m=58
